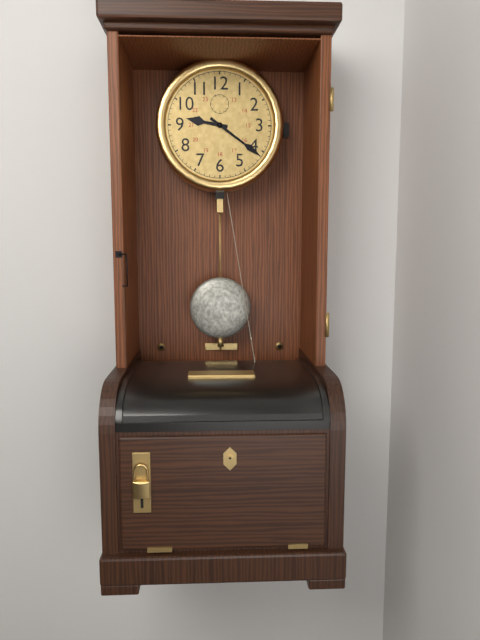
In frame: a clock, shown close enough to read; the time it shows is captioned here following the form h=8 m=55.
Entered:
h=9 m=21
